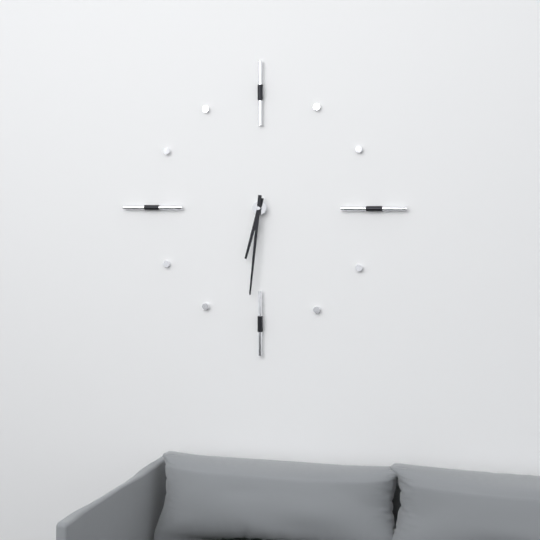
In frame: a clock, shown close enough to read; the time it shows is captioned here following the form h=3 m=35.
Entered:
h=6 m=31
